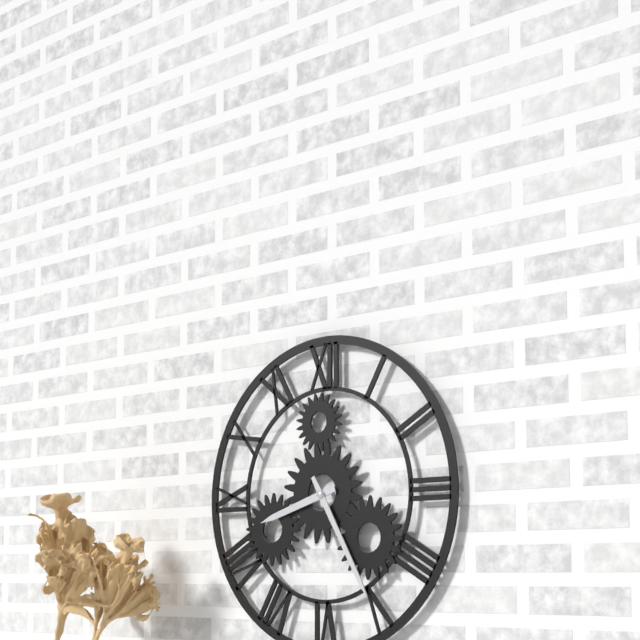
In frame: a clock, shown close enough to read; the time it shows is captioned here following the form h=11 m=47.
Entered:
h=8 m=25
